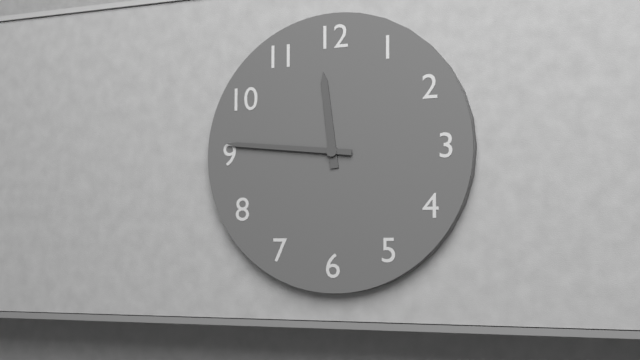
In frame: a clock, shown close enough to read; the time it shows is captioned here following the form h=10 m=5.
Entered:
h=11 m=46
